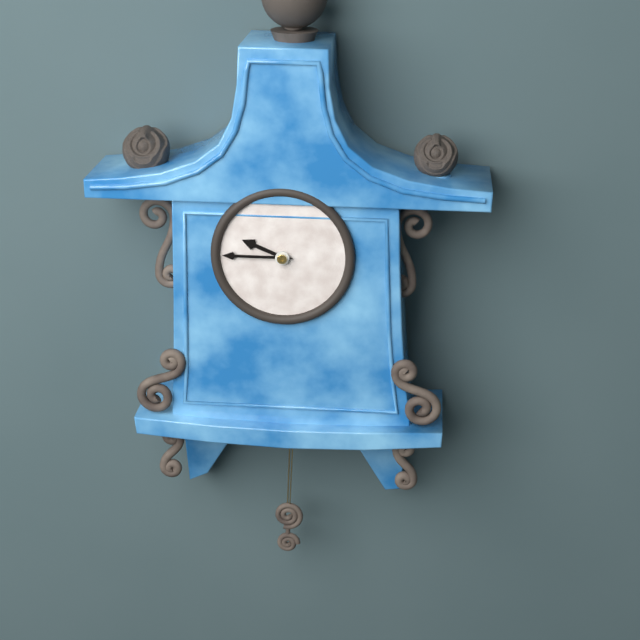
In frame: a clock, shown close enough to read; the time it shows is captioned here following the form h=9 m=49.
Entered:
h=9 m=45
